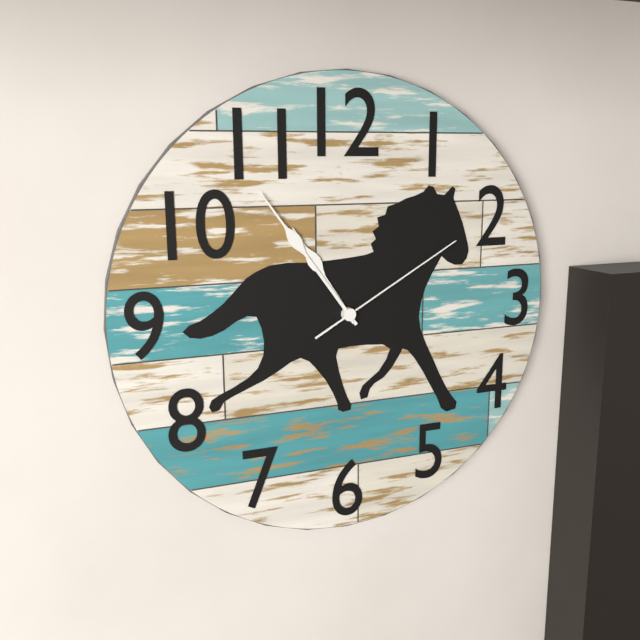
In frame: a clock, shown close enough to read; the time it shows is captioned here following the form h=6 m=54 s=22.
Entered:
h=10 m=54 s=10
